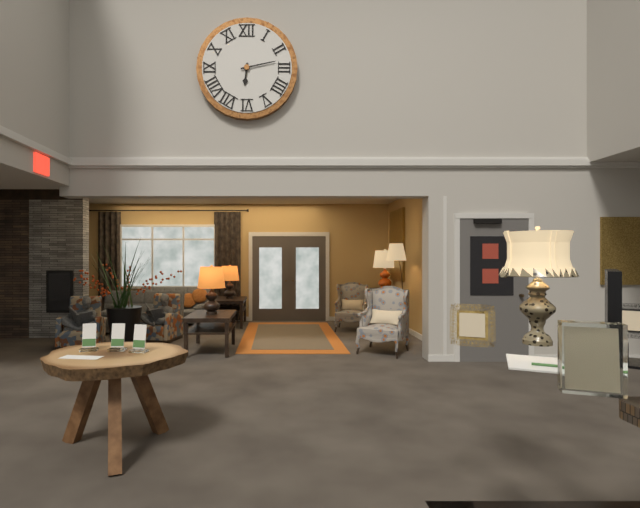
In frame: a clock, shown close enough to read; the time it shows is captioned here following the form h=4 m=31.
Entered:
h=6 m=13
